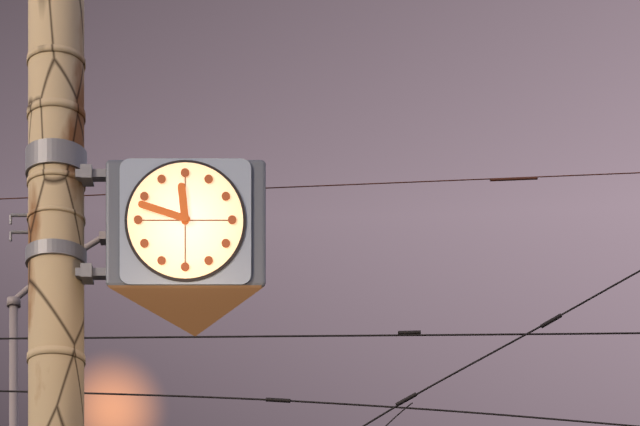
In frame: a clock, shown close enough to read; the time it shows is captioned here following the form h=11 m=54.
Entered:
h=11 m=48
